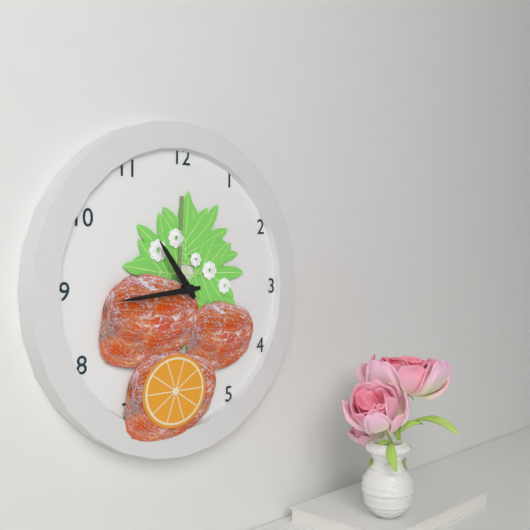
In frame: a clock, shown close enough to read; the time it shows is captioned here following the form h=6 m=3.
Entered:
h=10 m=44
